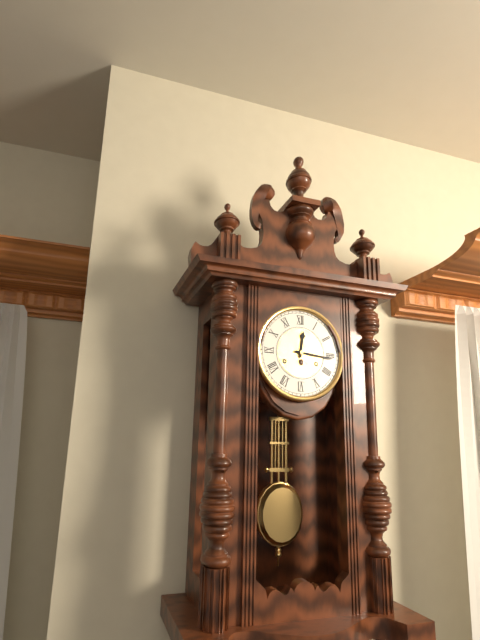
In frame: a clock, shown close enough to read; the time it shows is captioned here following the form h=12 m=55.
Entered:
h=12 m=16
